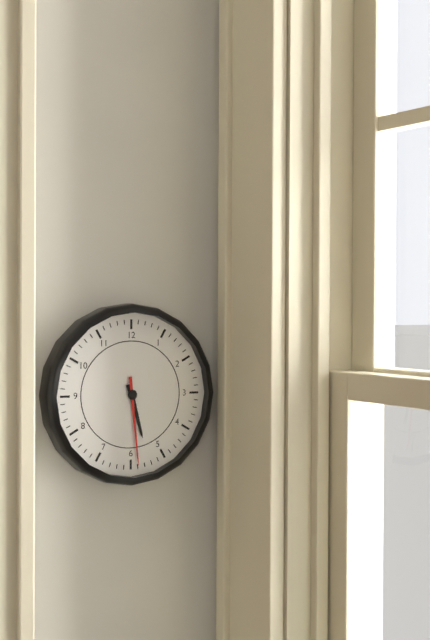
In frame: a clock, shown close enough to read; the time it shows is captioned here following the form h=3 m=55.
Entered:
h=5 m=29
